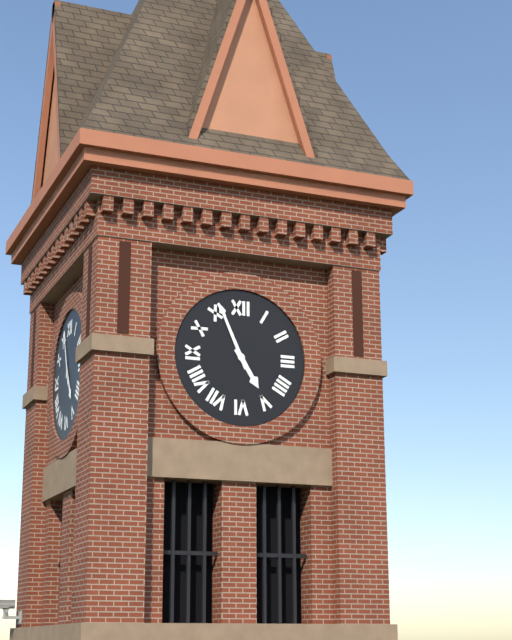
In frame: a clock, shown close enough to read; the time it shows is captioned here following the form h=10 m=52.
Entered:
h=4 m=56
